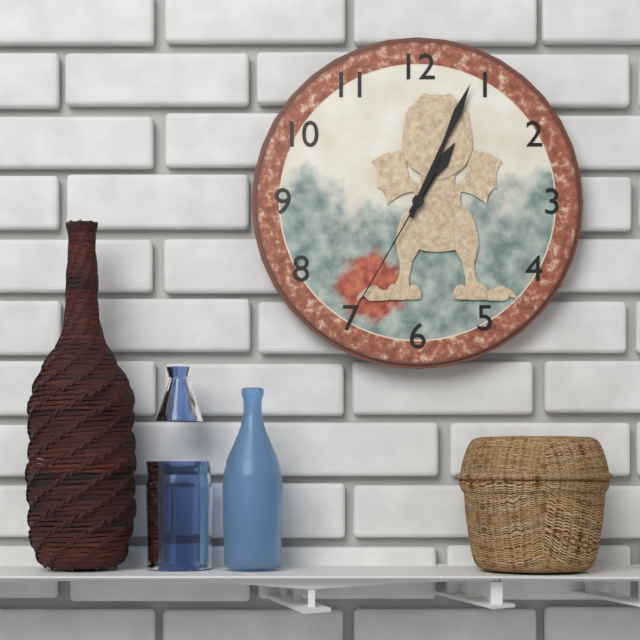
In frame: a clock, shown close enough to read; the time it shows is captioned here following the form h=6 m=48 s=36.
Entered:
h=1 m=4 s=35
